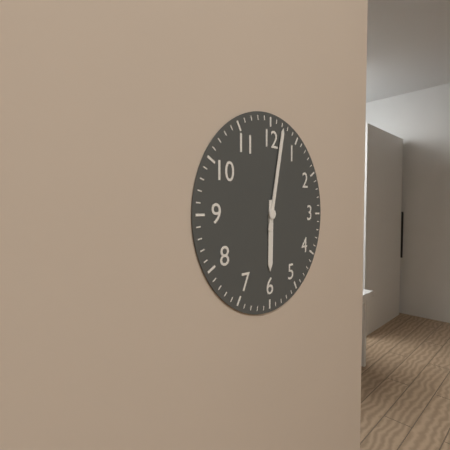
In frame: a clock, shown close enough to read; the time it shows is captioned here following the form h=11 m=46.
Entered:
h=6 m=2
